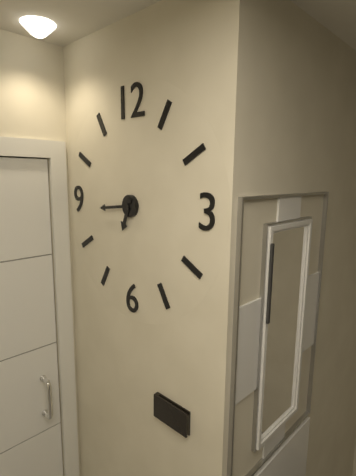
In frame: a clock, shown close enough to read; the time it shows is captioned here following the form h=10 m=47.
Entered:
h=6 m=44
